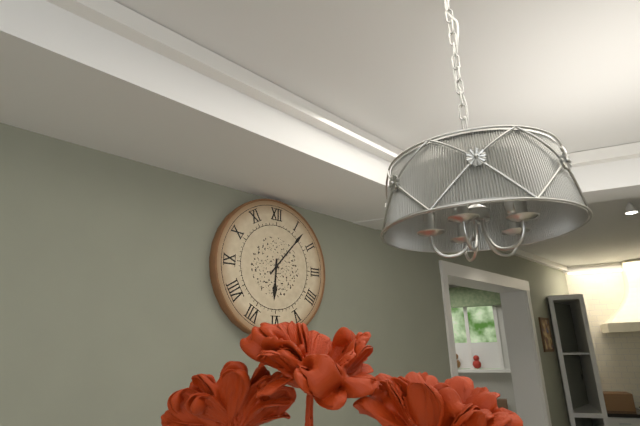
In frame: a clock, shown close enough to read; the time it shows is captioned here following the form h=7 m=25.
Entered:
h=6 m=7
